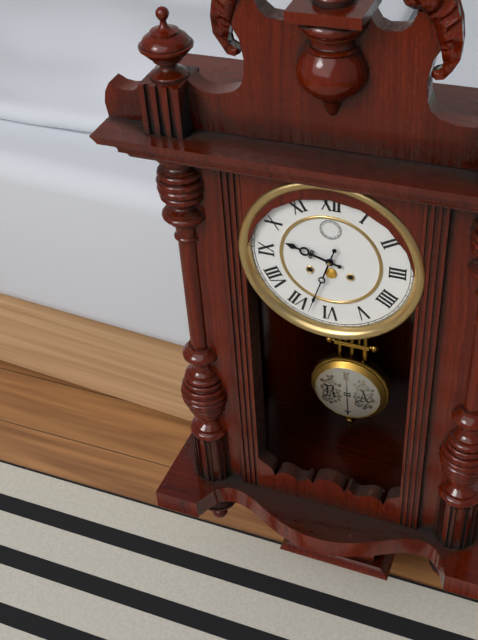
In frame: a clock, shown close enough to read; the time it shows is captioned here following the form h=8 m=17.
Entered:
h=9 m=33
